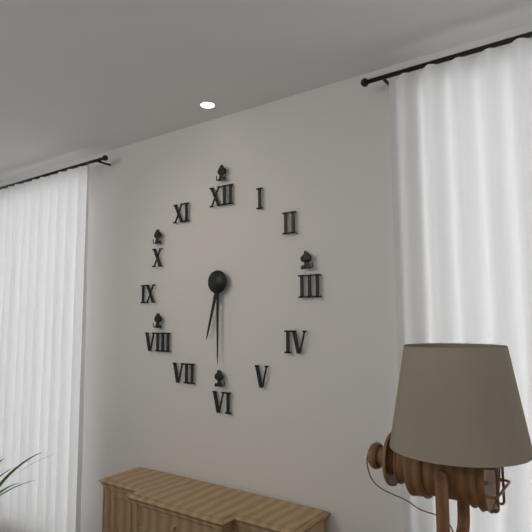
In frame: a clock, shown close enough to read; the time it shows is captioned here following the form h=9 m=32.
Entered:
h=6 m=30
